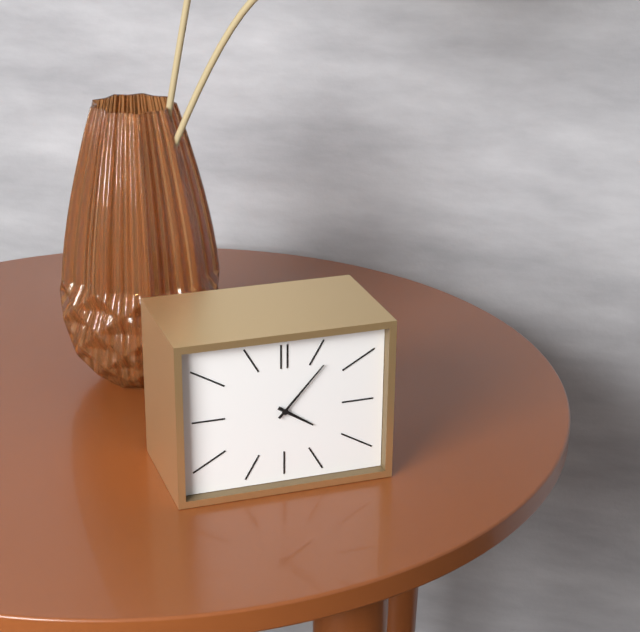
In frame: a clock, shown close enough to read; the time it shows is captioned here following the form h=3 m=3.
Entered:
h=4 m=7
